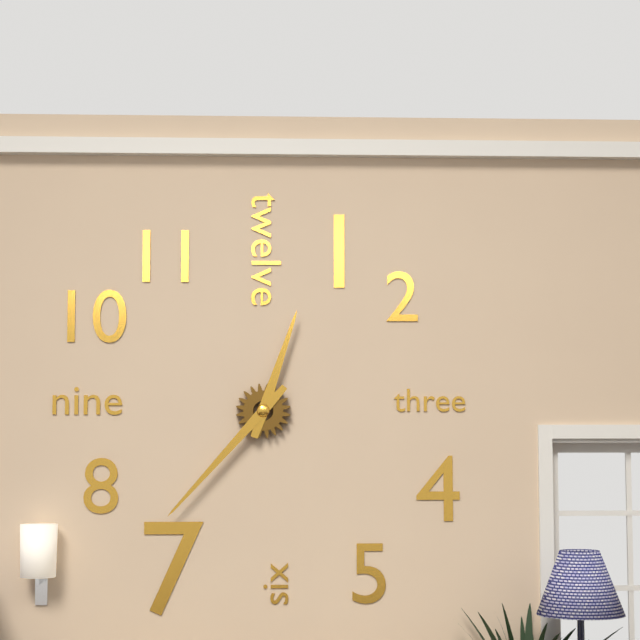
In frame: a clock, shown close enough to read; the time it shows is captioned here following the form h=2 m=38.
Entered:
h=12 m=37
